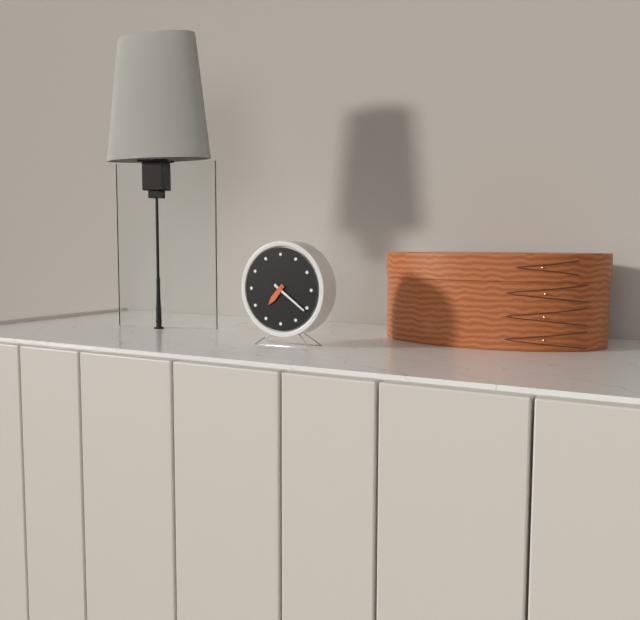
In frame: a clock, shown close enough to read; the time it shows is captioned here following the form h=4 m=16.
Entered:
h=7 m=21
